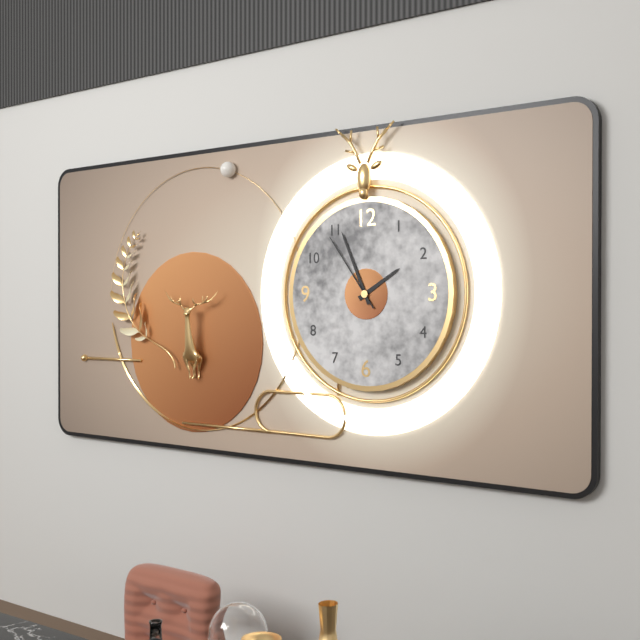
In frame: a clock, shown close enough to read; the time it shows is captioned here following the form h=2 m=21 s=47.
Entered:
h=1 m=56 s=54
